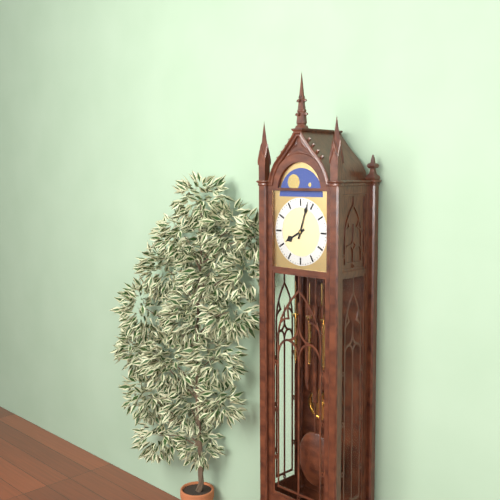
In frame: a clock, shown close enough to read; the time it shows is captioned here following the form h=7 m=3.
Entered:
h=8 m=3
